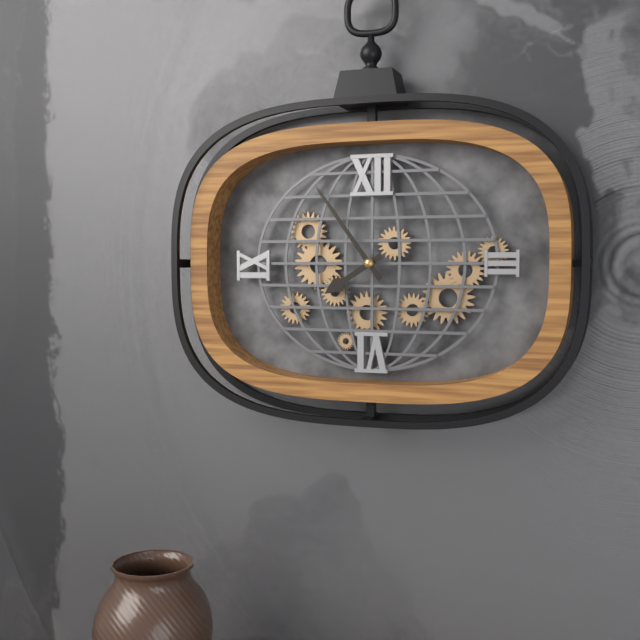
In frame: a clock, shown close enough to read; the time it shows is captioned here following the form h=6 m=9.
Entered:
h=7 m=54
